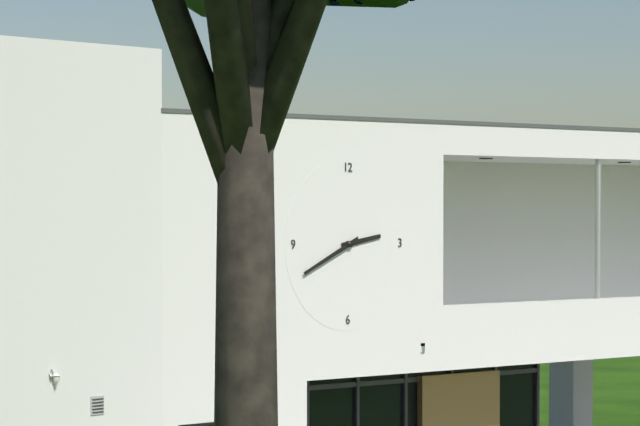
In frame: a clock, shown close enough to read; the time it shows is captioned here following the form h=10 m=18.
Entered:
h=2 m=41
